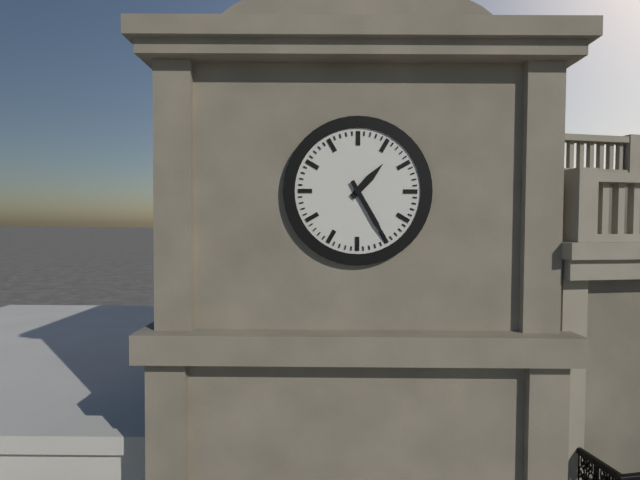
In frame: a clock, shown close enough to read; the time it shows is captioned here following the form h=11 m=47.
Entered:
h=1 m=25
